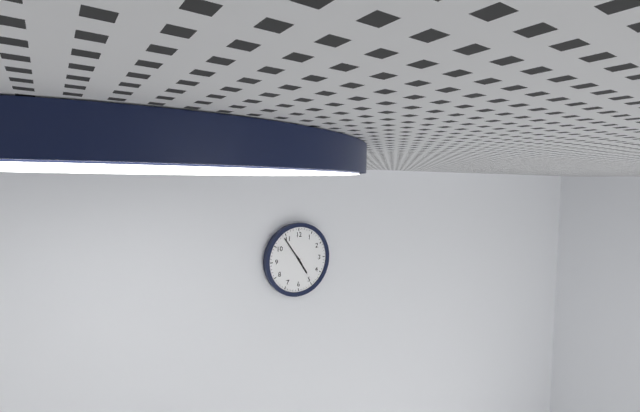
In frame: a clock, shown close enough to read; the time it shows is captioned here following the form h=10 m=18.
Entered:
h=4 m=54
